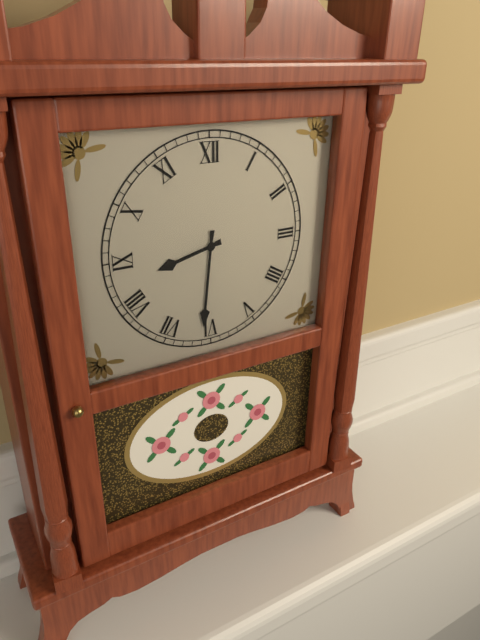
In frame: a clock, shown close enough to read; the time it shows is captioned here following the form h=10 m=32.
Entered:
h=8 m=31
